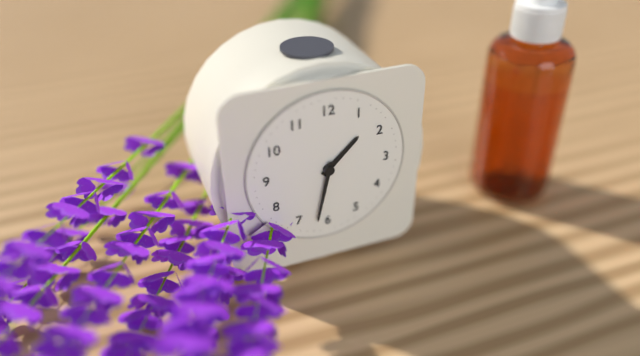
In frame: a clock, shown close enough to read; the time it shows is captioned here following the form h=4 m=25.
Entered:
h=1 m=32
